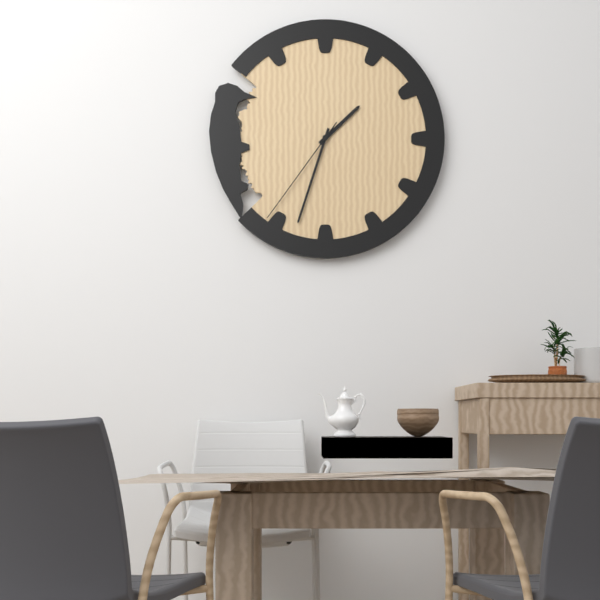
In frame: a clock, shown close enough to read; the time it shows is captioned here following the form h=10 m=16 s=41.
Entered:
h=1 m=33 s=36
